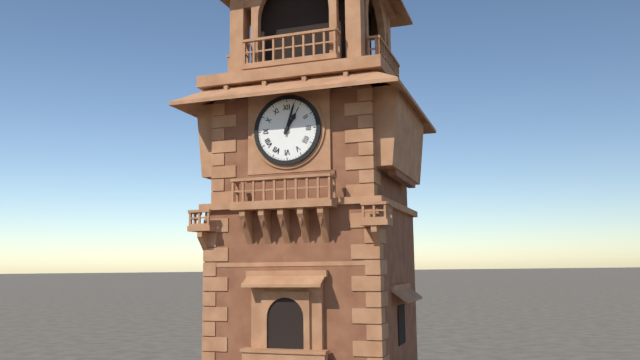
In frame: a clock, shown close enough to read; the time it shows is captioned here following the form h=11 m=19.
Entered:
h=1 m=3
